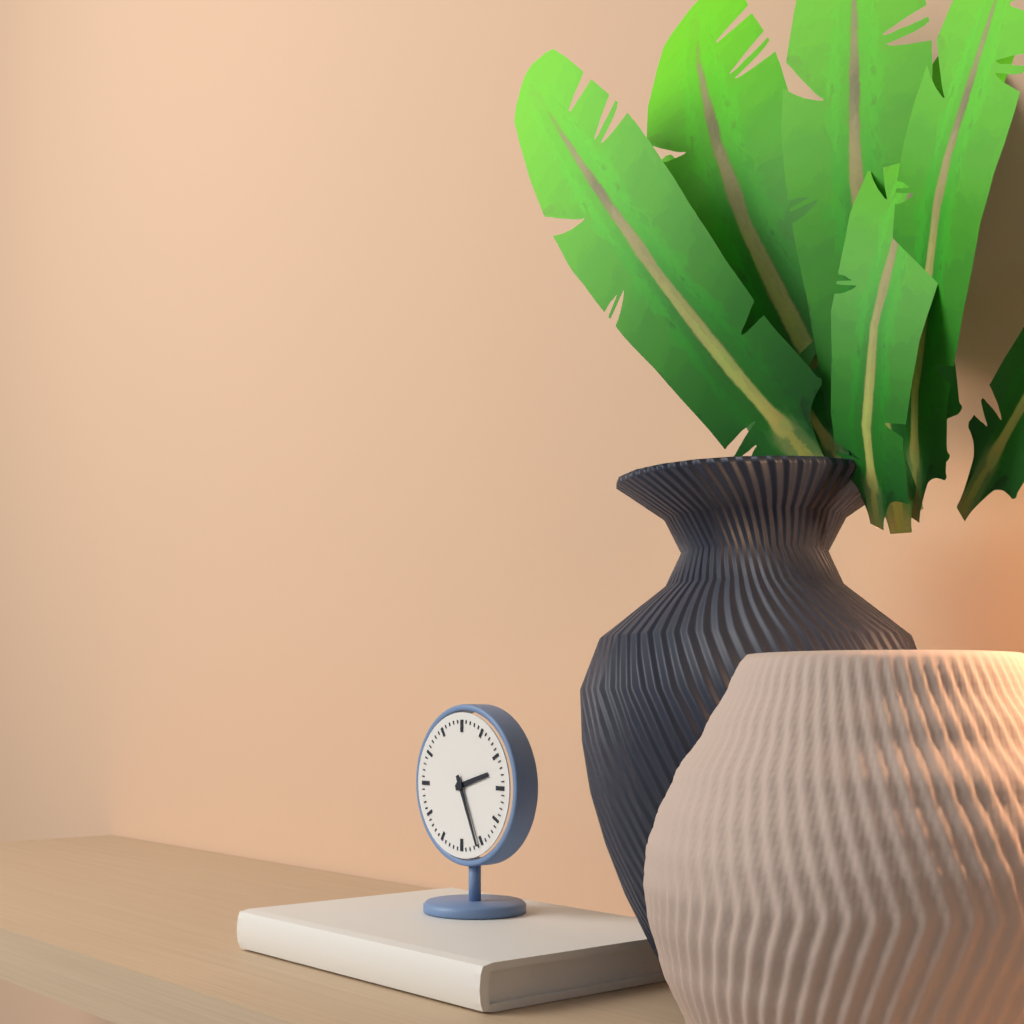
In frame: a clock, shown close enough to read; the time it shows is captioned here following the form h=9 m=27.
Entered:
h=2 m=26
